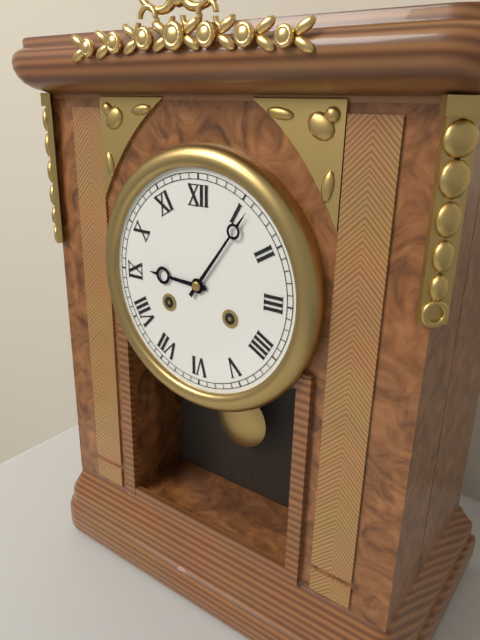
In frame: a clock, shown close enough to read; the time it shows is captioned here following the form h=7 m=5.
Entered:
h=9 m=6
